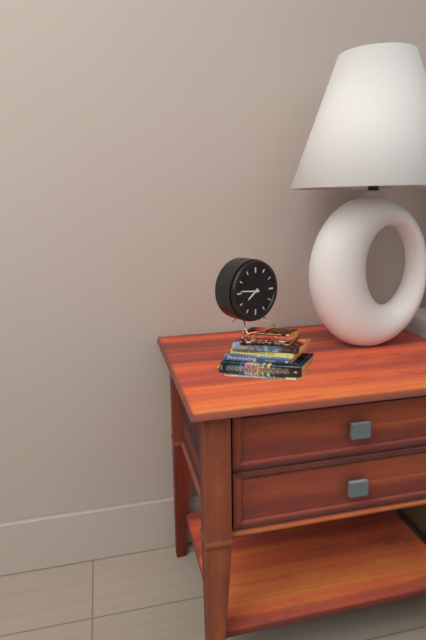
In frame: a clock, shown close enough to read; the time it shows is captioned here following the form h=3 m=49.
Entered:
h=7 m=46
